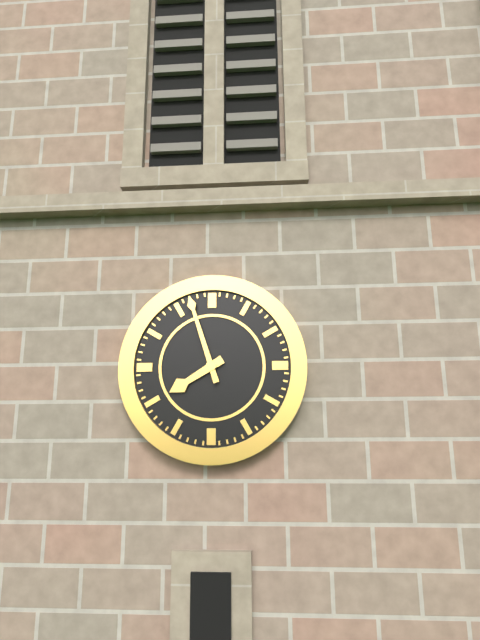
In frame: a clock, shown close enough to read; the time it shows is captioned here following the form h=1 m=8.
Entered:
h=7 m=57
